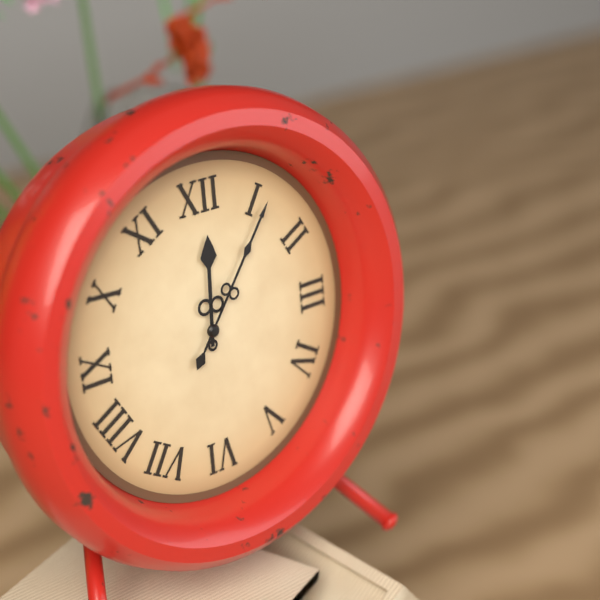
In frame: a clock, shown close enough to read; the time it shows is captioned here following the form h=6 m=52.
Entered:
h=12 m=6
